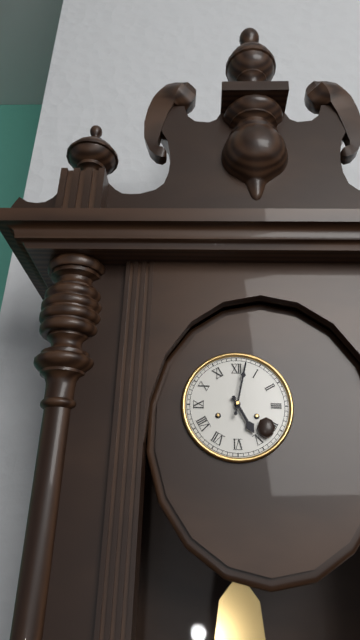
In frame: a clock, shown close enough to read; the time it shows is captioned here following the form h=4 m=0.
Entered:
h=5 m=2
